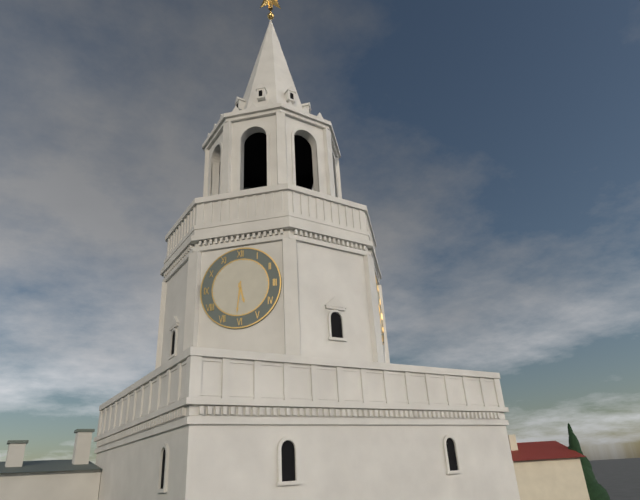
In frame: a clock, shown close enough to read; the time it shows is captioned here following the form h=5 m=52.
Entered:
h=5 m=31
